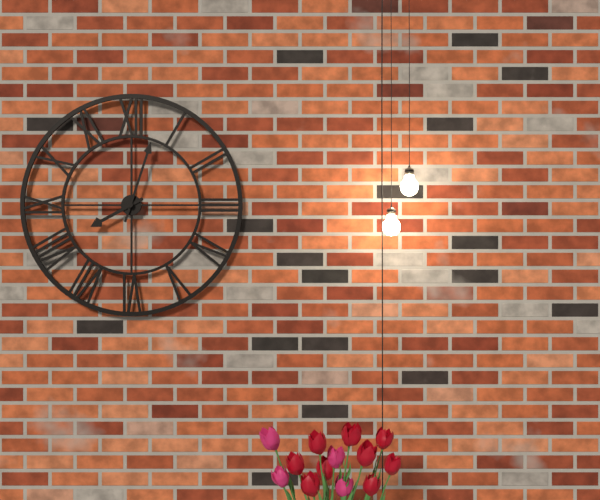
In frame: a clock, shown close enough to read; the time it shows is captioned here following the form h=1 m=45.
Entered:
h=8 m=3
